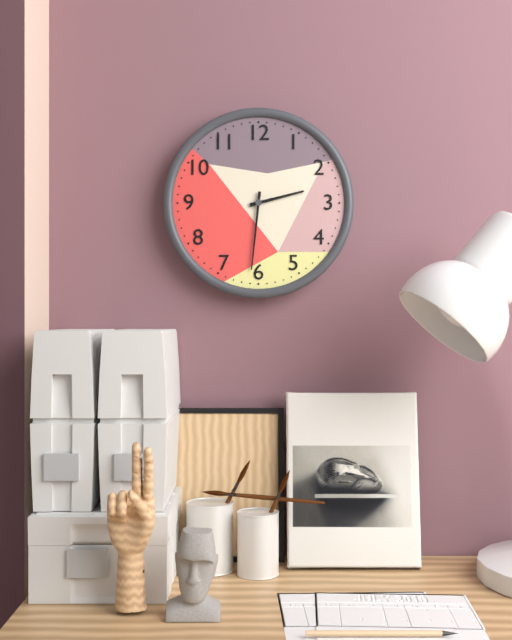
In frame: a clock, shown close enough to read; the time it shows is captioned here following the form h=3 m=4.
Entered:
h=2 m=31
